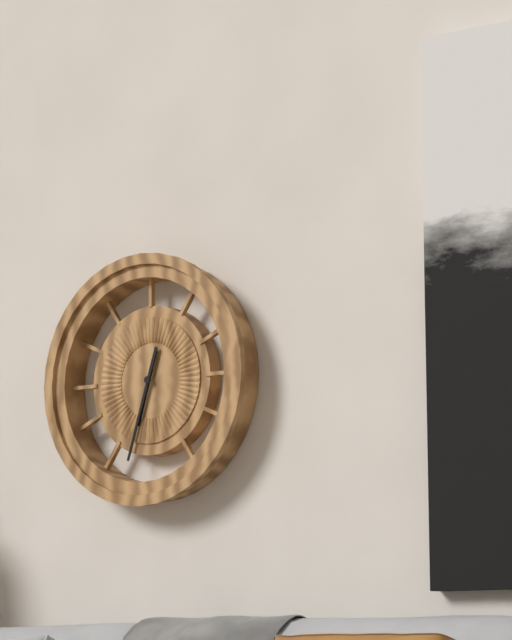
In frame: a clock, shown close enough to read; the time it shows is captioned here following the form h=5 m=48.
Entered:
h=6 m=33
